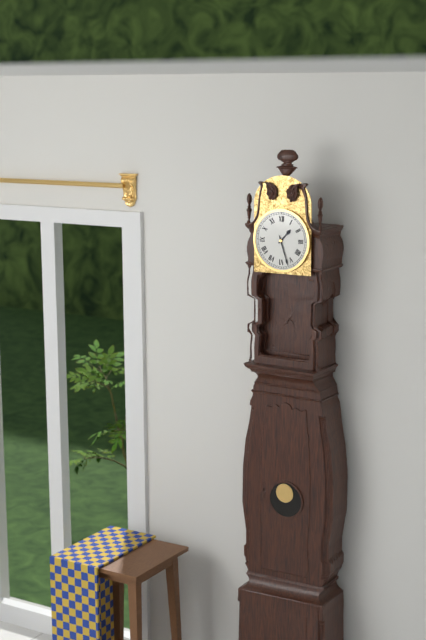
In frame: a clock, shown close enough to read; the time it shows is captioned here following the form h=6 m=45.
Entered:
h=1 m=27
